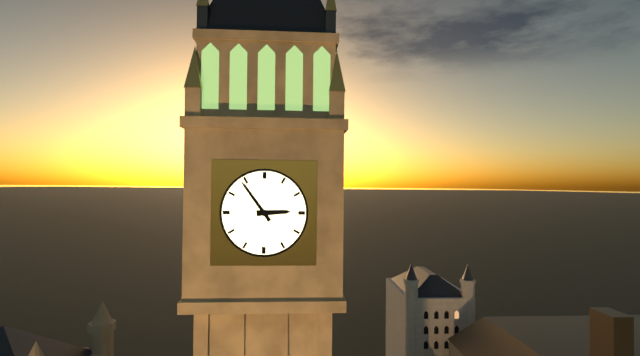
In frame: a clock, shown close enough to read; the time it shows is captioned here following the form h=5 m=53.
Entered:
h=2 m=54
